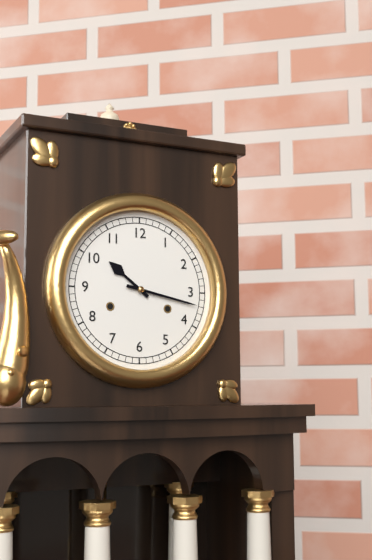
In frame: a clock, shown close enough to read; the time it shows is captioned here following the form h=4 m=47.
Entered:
h=10 m=17
